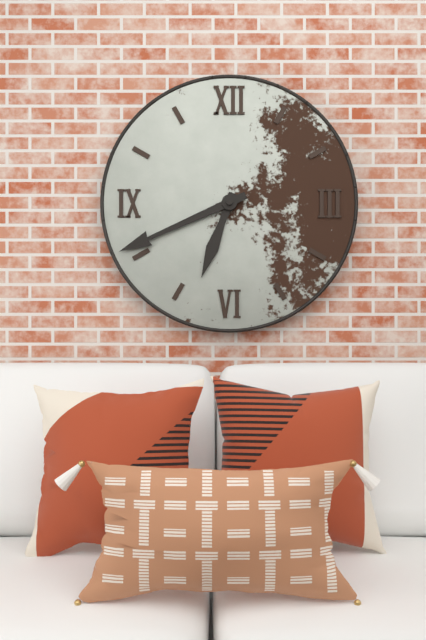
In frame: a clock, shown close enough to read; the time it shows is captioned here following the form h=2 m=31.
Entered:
h=6 m=41
